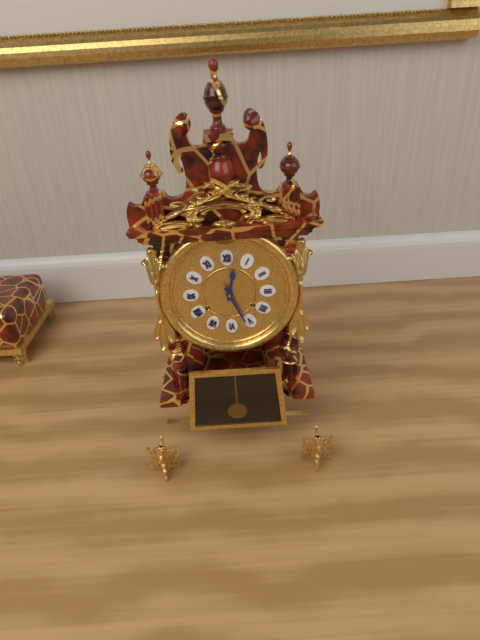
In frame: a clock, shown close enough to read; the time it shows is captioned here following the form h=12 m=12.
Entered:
h=12 m=26
